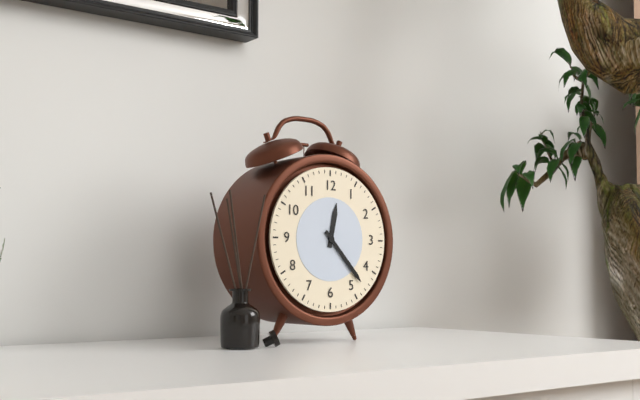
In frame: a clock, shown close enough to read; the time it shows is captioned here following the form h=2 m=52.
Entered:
h=12 m=23
